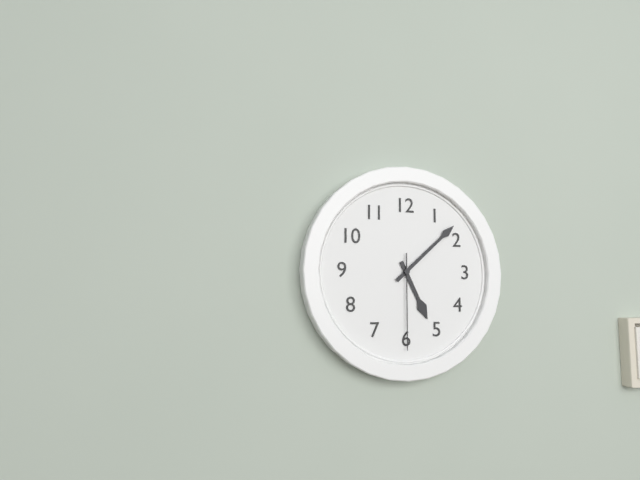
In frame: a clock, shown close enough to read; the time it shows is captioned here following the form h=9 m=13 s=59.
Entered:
h=5 m=8 s=30
